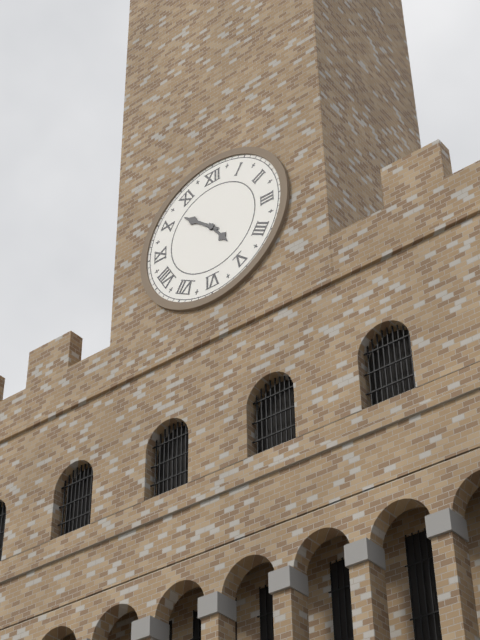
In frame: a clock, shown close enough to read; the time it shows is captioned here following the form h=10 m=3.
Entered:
h=4 m=52
